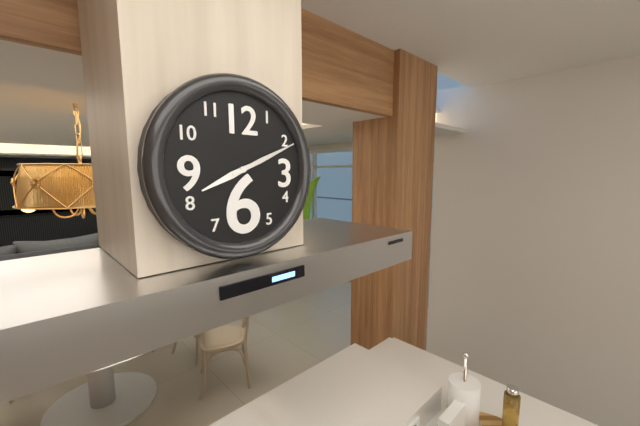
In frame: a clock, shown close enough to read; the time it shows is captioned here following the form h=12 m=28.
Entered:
h=8 m=11
